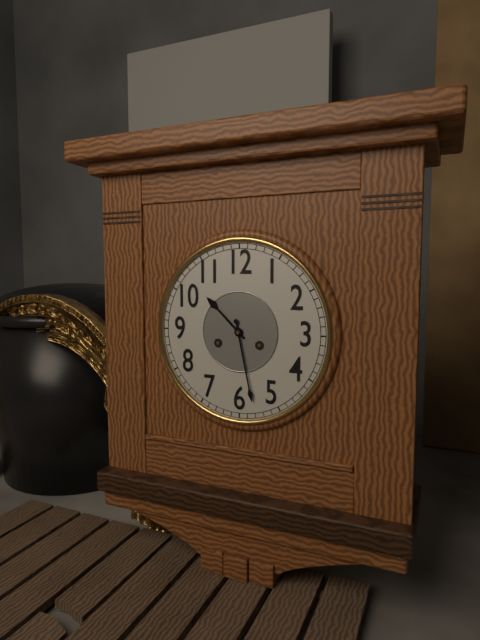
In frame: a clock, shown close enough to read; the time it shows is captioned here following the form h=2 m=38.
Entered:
h=10 m=28
